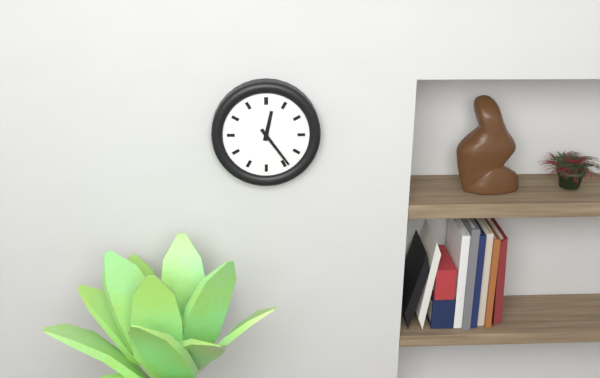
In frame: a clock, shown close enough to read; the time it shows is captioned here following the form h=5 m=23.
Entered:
h=12 m=24
